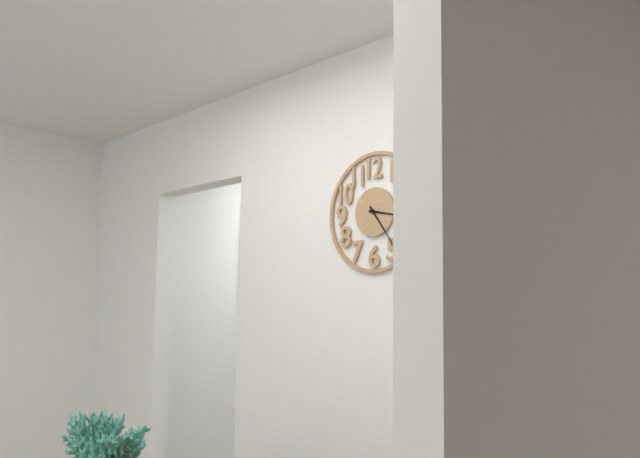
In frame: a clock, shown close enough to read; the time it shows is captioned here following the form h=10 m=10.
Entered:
h=3 m=24
